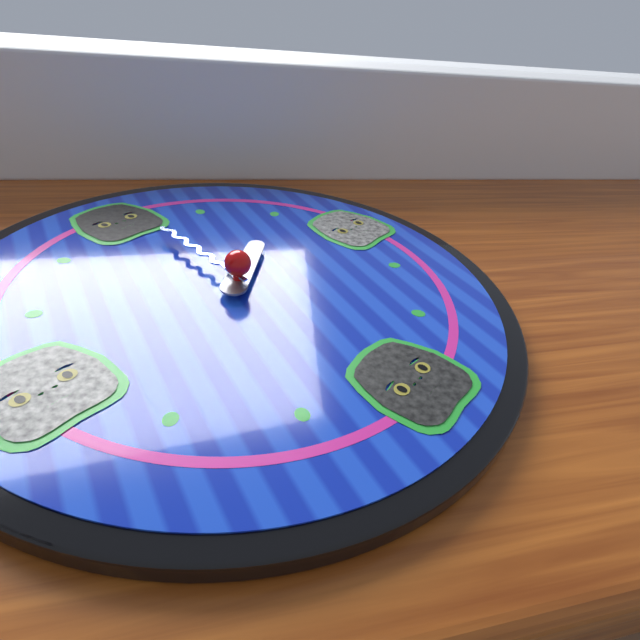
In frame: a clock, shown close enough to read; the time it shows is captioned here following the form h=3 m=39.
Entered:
h=2 m=1
